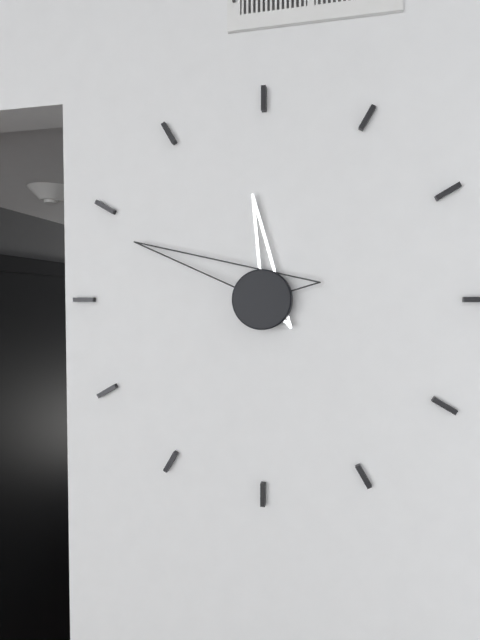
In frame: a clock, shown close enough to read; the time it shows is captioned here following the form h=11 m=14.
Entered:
h=11 m=49
